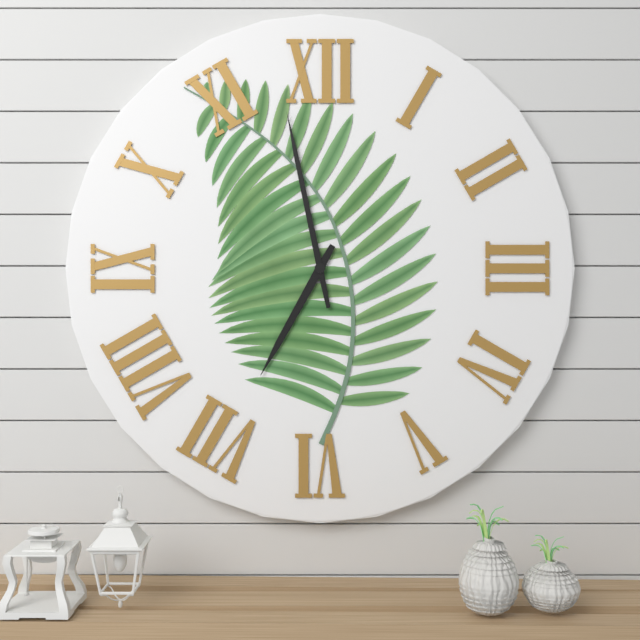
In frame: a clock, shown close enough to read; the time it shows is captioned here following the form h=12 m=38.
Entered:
h=6 m=58
